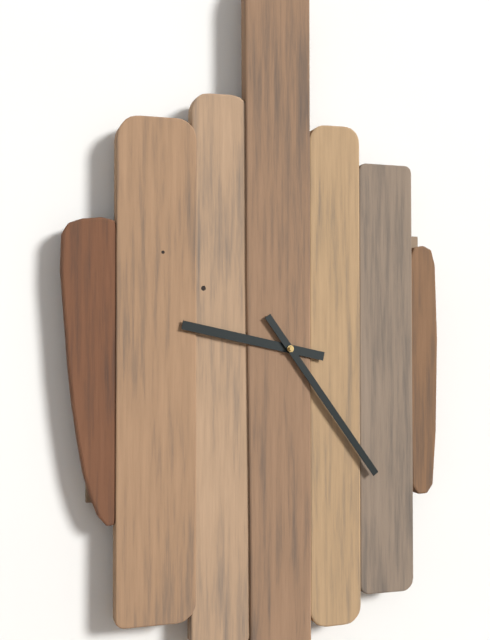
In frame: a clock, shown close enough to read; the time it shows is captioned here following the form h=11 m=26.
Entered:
h=9 m=24
